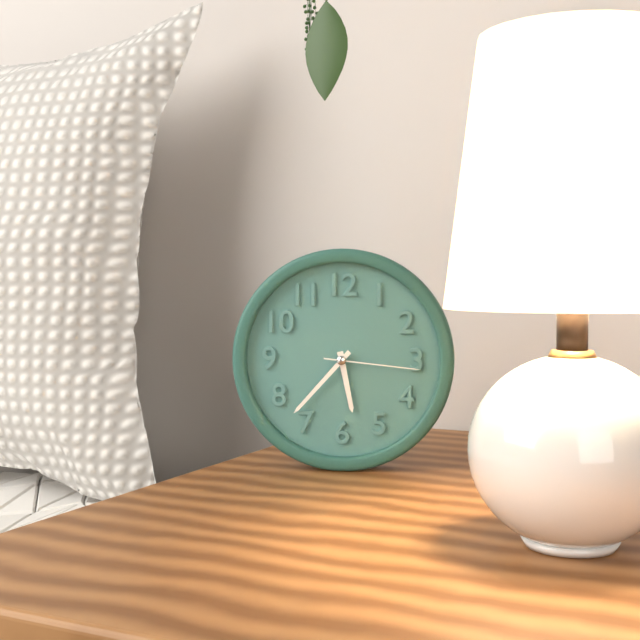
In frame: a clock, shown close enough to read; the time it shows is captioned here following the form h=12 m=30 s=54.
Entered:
h=5 m=37 s=16
